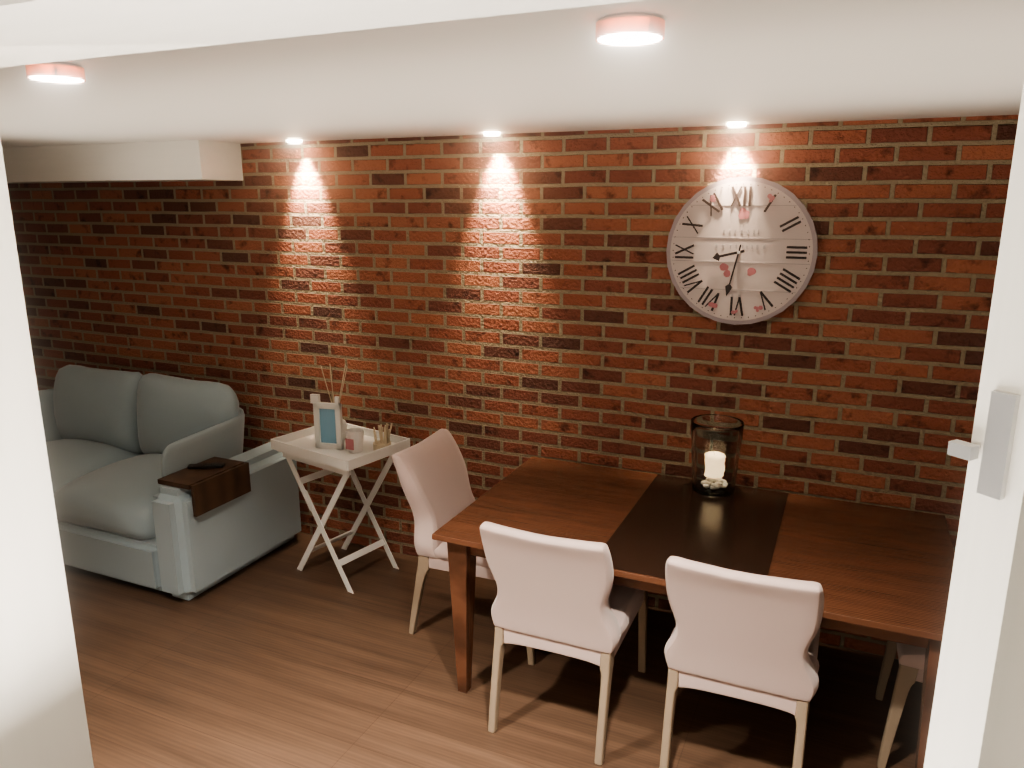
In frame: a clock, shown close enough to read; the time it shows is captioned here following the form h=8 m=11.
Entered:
h=8 m=32
